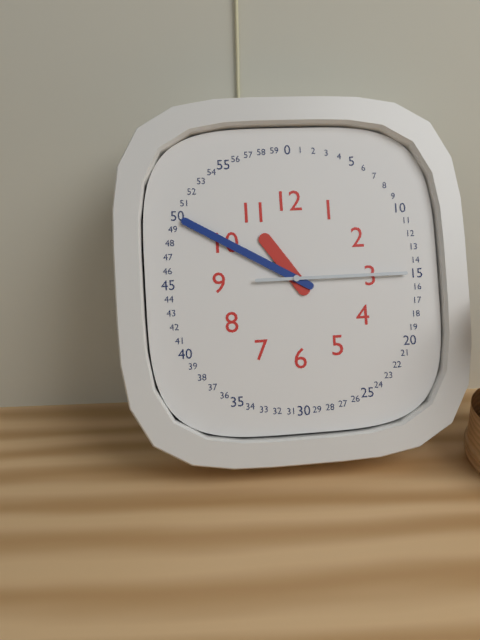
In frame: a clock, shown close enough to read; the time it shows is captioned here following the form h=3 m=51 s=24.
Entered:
h=10 m=50 s=15
